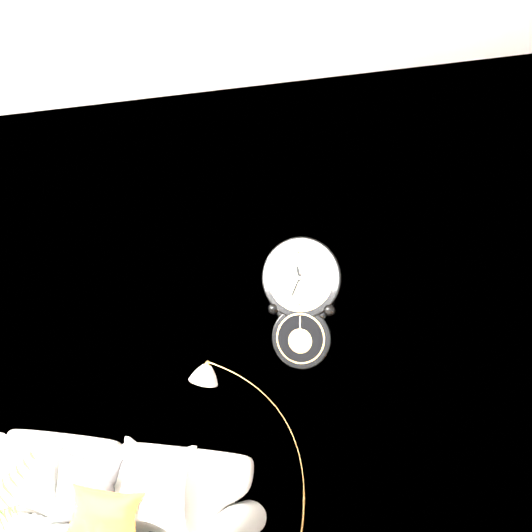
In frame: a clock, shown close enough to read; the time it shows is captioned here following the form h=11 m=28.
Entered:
h=11 m=34
